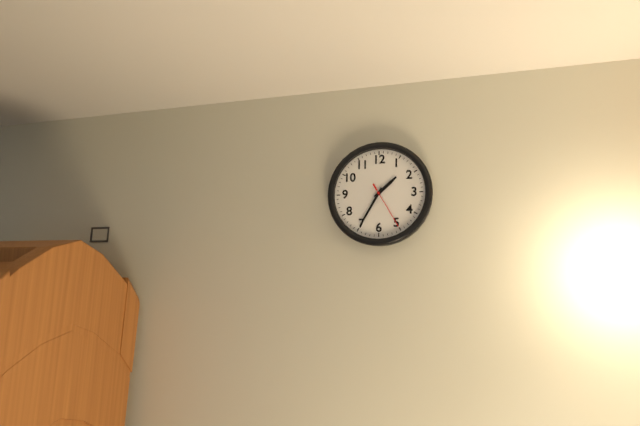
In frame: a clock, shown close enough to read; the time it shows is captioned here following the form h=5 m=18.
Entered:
h=1 m=35
